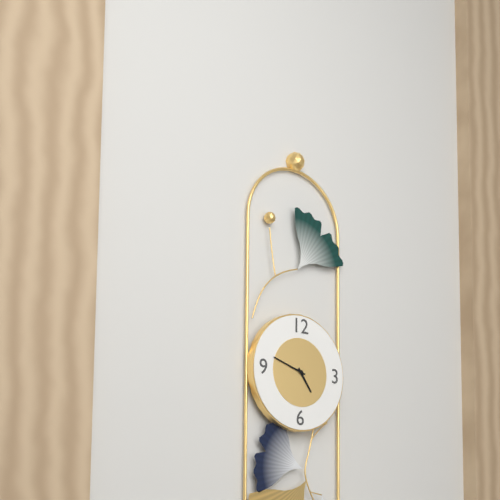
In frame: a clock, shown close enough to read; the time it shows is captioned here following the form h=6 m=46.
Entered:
h=4 m=48
